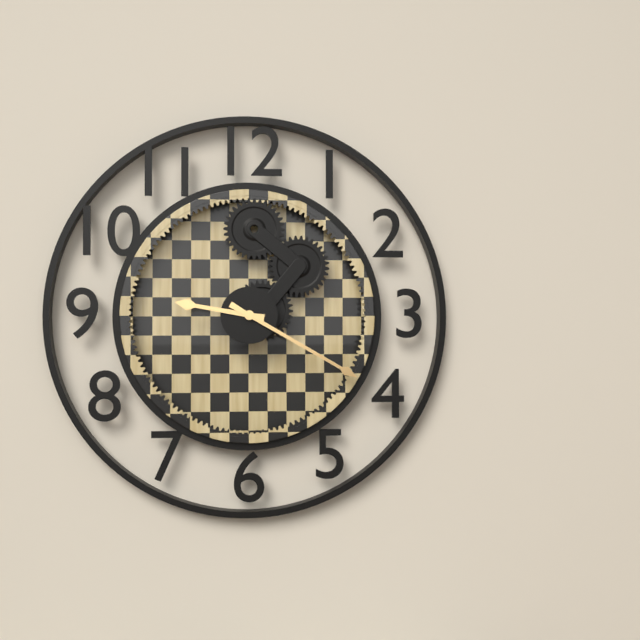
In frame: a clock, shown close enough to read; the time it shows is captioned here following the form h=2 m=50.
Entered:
h=9 m=20
